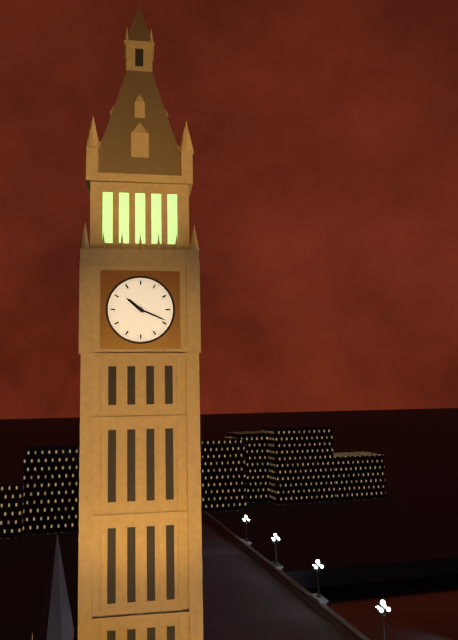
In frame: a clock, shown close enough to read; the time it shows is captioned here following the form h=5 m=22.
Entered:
h=10 m=19
